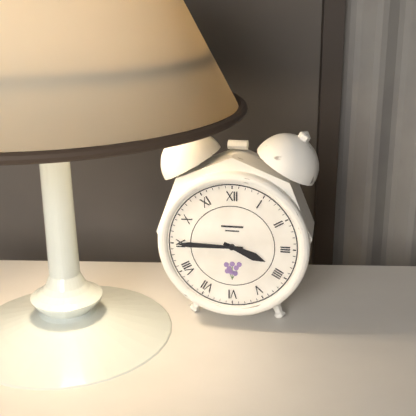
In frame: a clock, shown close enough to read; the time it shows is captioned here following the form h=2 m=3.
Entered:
h=3 m=45
